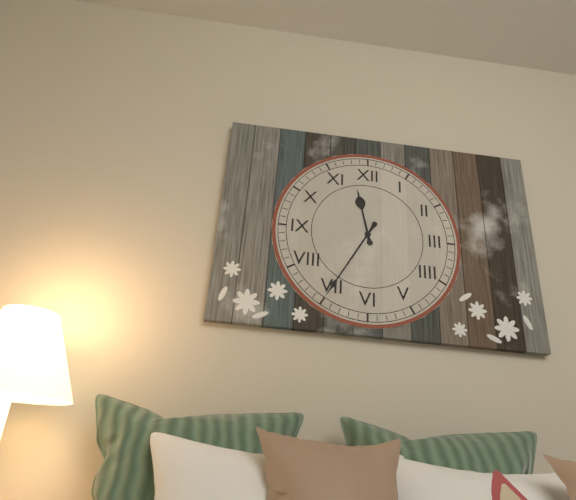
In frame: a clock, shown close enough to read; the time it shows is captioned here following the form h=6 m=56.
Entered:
h=11 m=35
